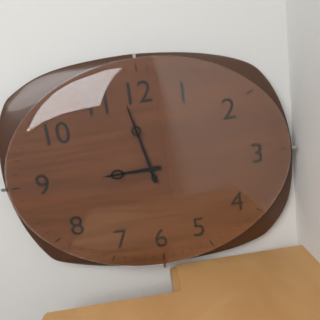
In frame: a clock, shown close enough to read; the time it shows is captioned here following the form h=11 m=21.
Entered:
h=8 m=58
